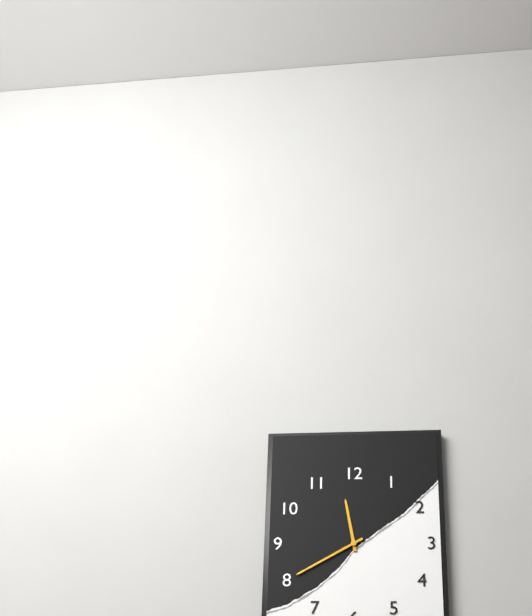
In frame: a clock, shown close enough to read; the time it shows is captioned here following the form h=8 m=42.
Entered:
h=11 m=40
